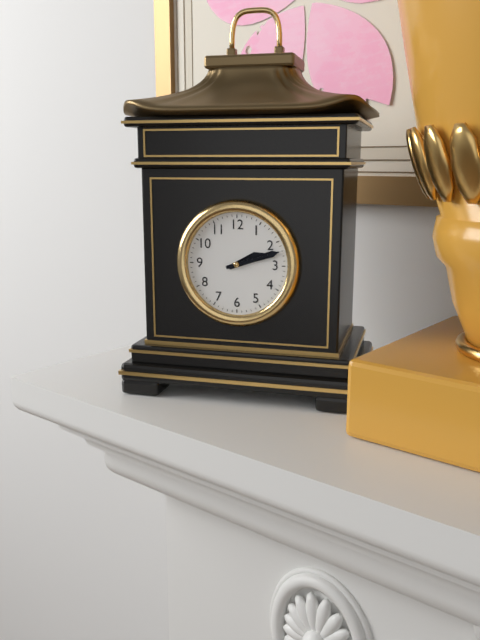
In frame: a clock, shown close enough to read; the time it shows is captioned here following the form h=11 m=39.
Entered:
h=2 m=12
